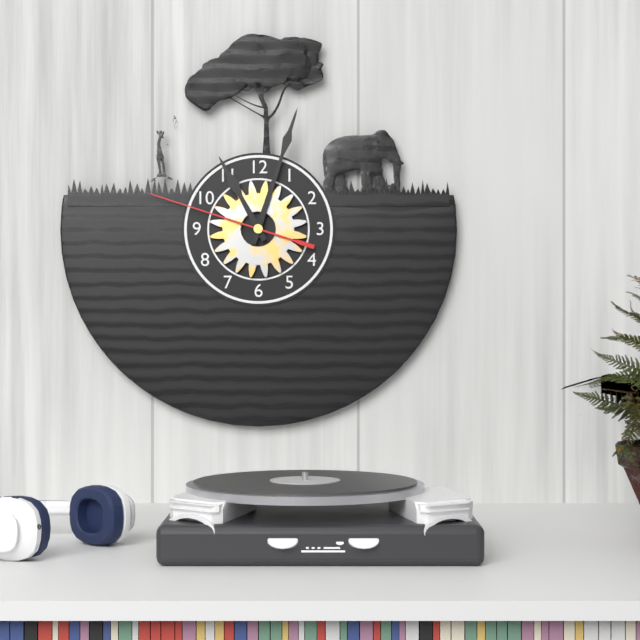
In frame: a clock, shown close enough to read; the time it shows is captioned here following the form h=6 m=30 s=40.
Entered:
h=11 m=3 s=48
